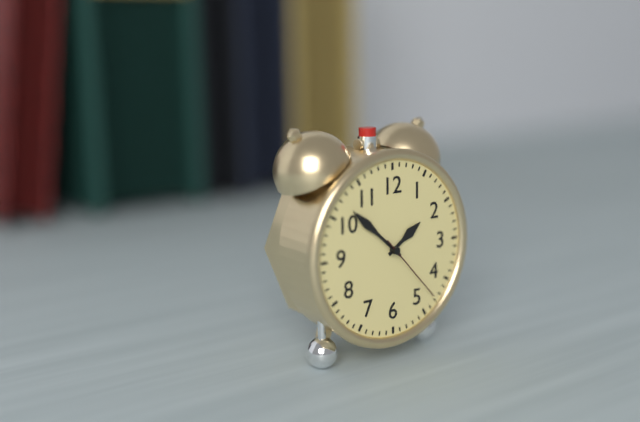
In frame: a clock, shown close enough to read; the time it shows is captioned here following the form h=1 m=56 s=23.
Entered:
h=1 m=52 s=23
